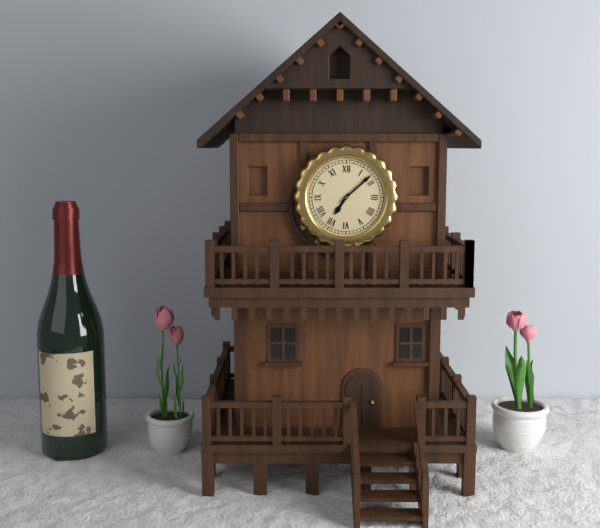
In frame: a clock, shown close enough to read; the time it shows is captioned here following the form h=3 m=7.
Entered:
h=7 m=8
